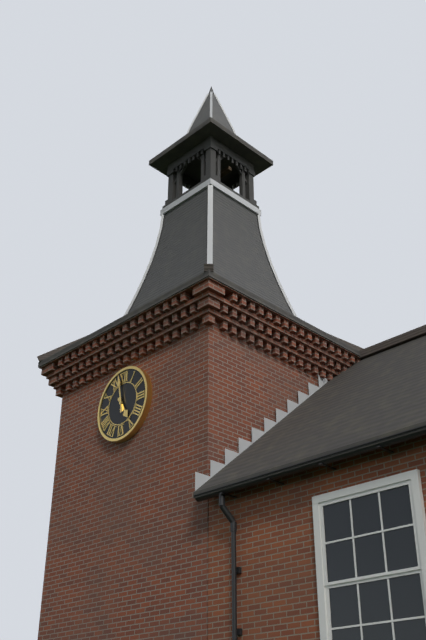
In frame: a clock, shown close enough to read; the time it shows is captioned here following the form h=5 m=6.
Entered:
h=4 m=58
